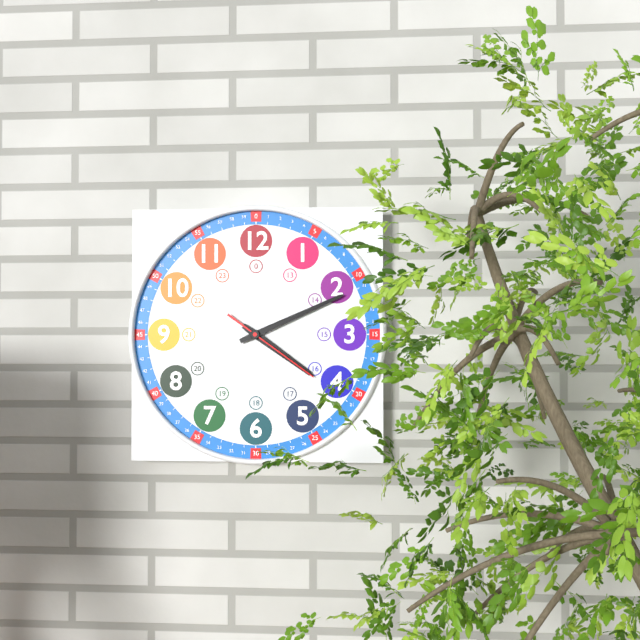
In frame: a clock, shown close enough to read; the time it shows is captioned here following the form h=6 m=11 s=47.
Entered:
h=4 m=11 s=21
